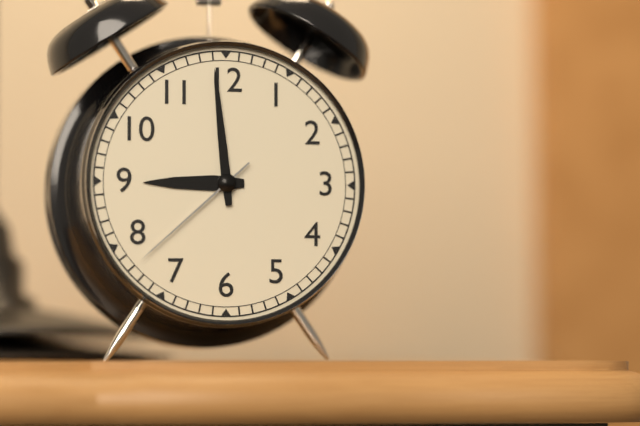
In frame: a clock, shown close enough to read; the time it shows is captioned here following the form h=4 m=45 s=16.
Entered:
h=8 m=59 s=38
